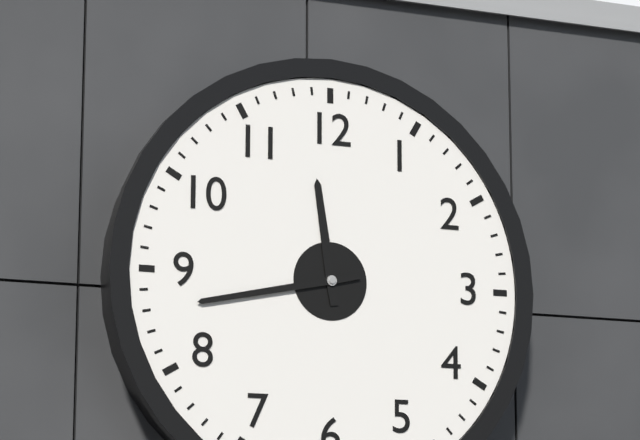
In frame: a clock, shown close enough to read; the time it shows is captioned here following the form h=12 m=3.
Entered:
h=11 m=43
